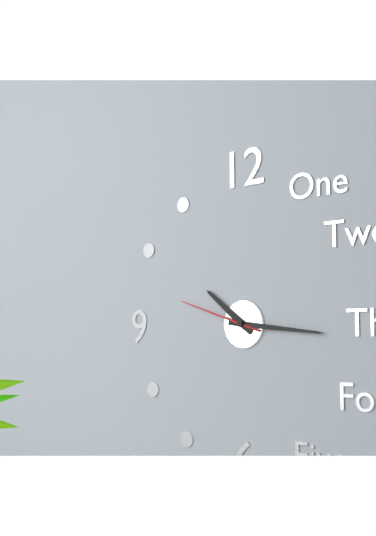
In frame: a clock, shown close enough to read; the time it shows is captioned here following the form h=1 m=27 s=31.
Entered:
h=10 m=16 s=48
